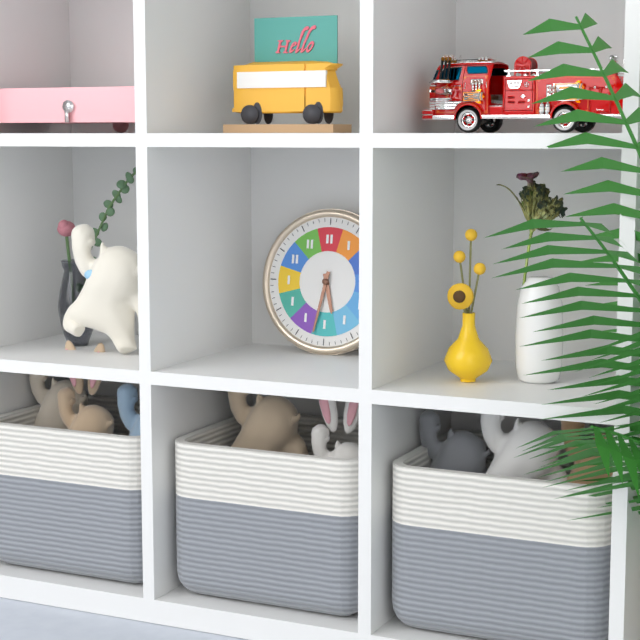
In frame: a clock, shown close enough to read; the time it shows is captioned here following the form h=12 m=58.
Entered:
h=5 m=32
